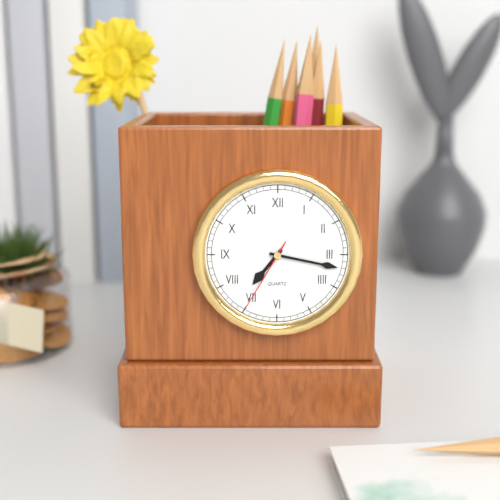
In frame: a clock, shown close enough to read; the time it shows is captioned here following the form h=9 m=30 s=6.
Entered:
h=7 m=17 s=35
